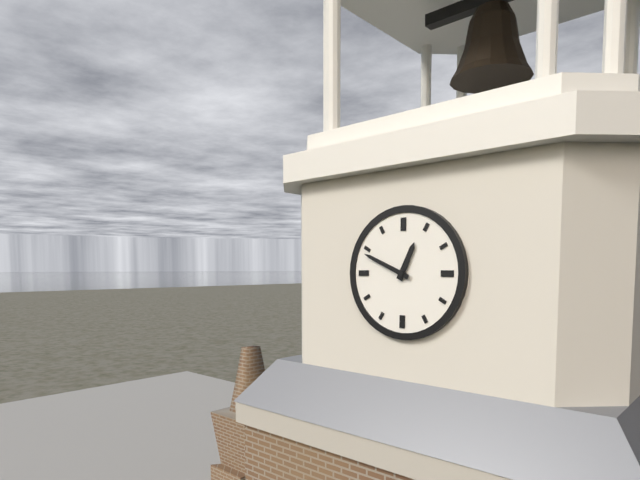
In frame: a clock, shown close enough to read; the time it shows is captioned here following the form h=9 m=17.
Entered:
h=12 m=49
